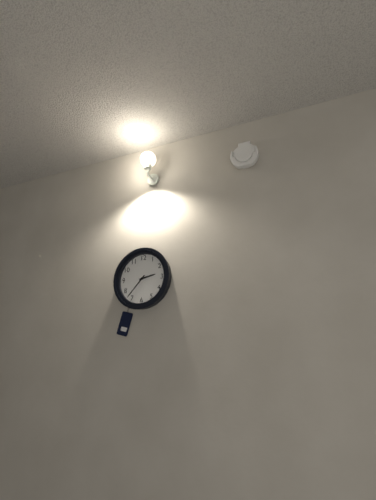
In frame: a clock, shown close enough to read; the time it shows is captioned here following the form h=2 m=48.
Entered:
h=2 m=37
